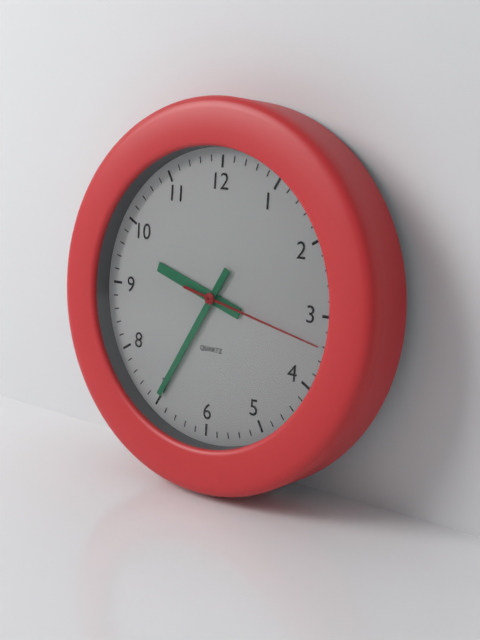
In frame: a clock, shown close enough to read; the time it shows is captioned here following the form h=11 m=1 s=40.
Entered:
h=9 m=35 s=17
